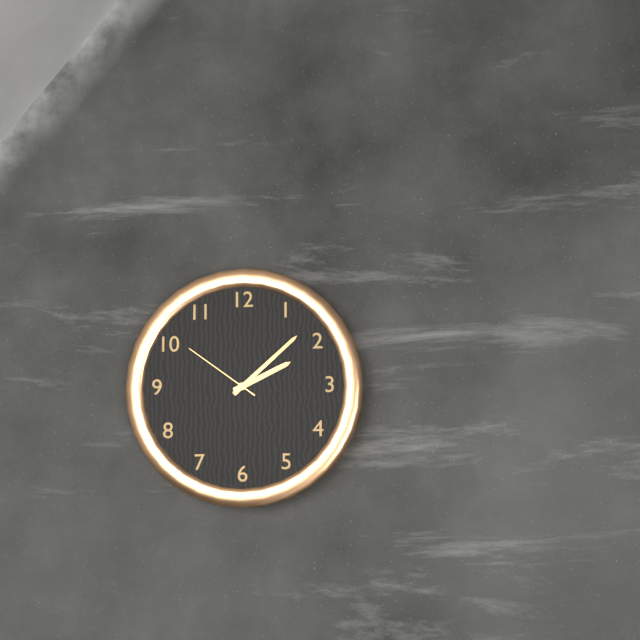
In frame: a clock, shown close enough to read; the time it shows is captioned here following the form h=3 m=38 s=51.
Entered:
h=2 m=8 s=51
